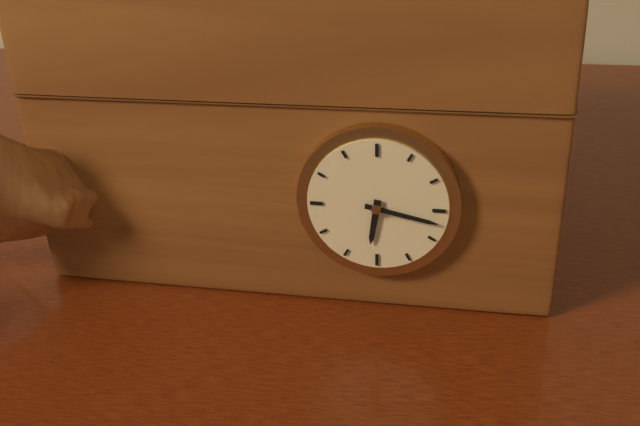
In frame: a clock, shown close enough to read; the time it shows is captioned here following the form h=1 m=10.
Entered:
h=6 m=17
